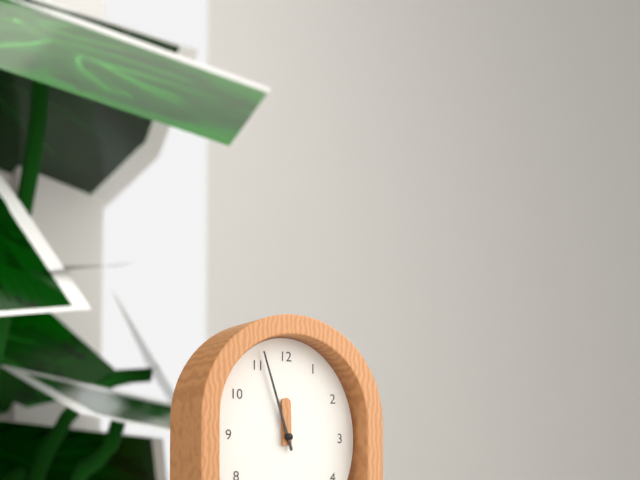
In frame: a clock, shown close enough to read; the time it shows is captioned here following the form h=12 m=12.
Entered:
h=11 m=57
